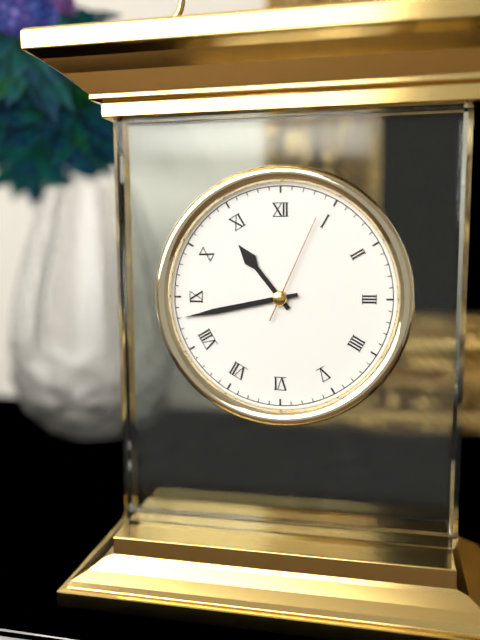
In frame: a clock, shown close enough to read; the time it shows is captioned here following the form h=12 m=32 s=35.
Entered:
h=10 m=43 s=4
